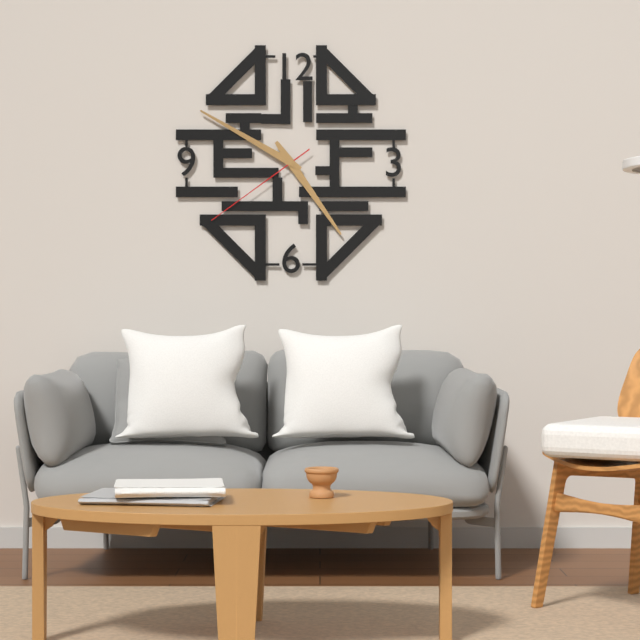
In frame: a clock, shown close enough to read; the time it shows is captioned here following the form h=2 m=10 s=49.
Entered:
h=4 m=50 s=39
